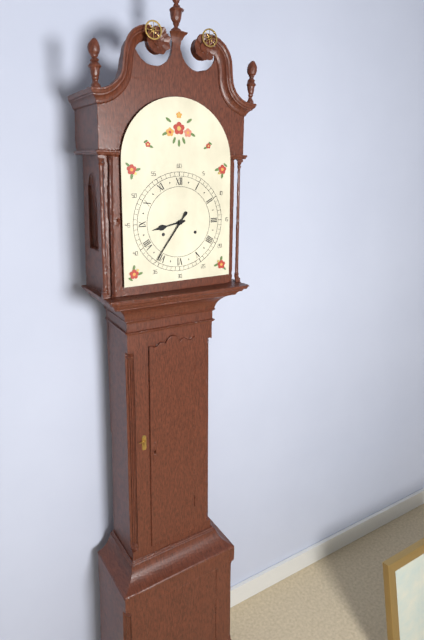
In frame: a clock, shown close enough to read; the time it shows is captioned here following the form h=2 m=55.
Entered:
h=8 m=36
